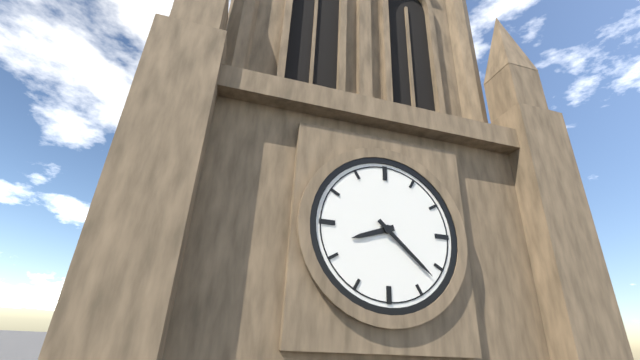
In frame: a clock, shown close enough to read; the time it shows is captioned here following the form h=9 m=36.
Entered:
h=8 m=22
